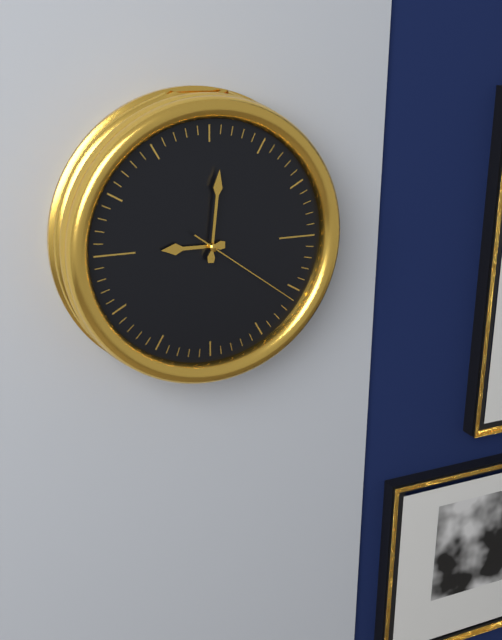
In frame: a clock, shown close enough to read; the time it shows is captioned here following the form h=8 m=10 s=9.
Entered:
h=9 m=1 s=21
